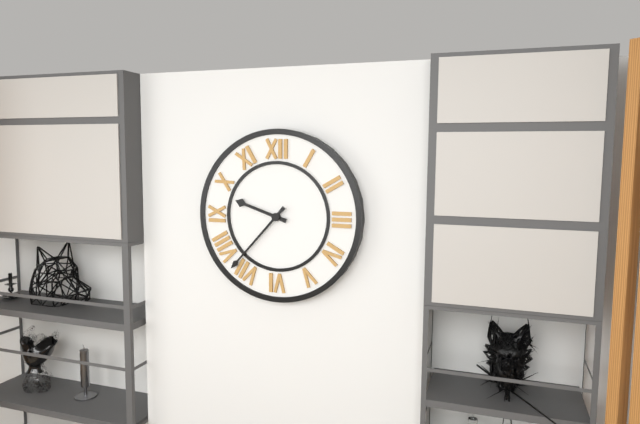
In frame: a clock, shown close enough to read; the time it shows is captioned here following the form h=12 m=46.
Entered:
h=9 m=37
